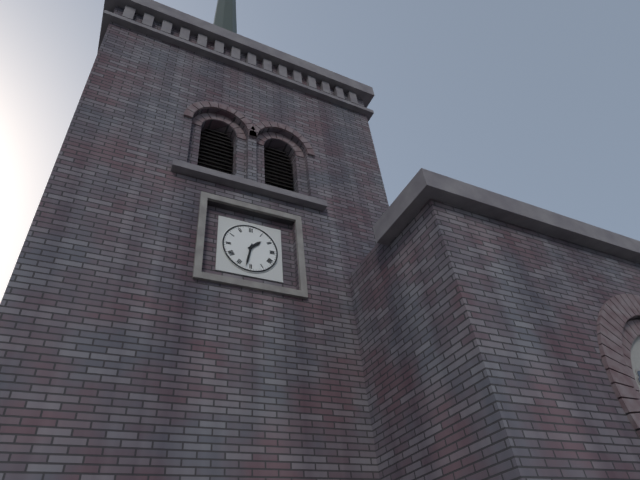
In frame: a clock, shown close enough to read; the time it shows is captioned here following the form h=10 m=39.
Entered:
h=1 m=32
